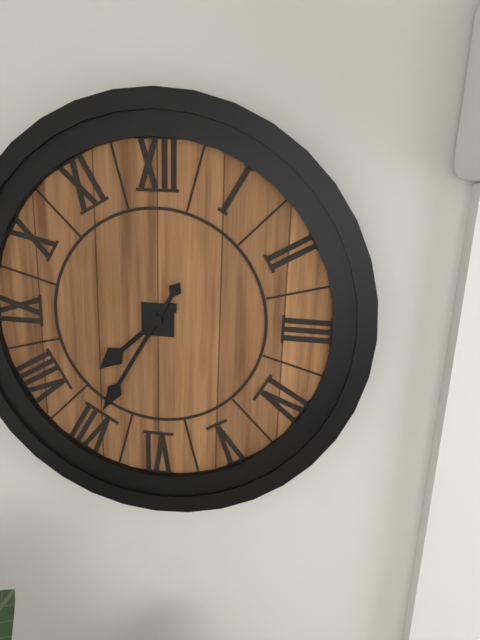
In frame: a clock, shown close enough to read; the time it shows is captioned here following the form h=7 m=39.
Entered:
h=7 m=35
